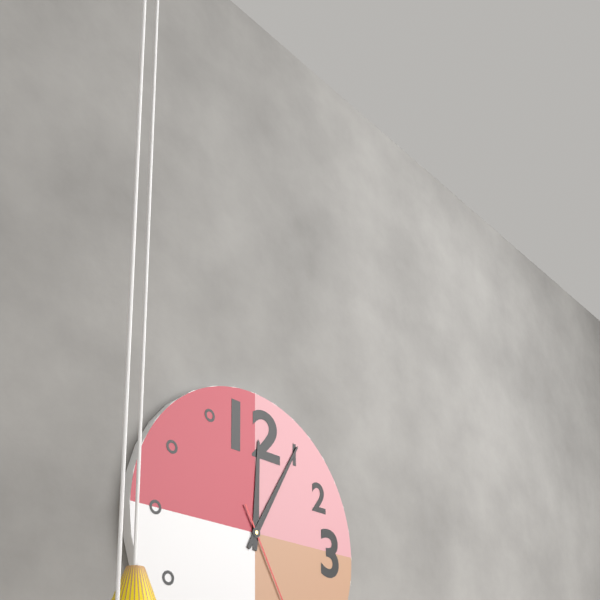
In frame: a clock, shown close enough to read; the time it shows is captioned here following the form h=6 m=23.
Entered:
h=12 m=5
